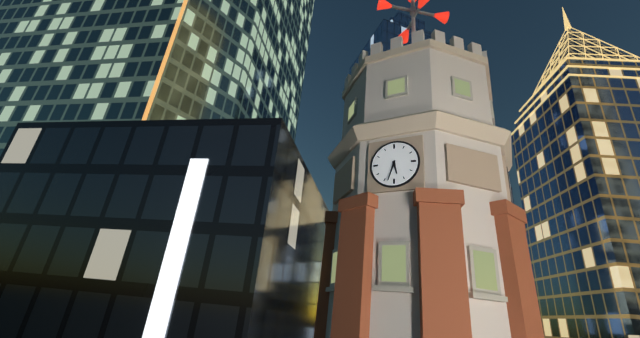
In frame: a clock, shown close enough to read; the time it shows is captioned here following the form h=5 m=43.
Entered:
h=5 m=33
